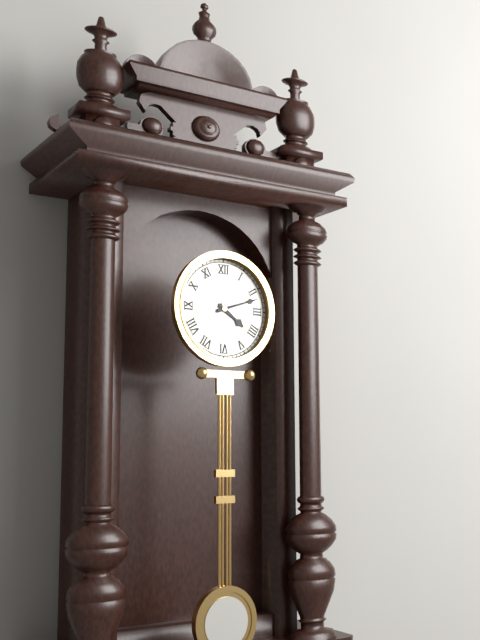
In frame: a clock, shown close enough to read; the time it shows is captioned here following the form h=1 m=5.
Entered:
h=4 m=12
